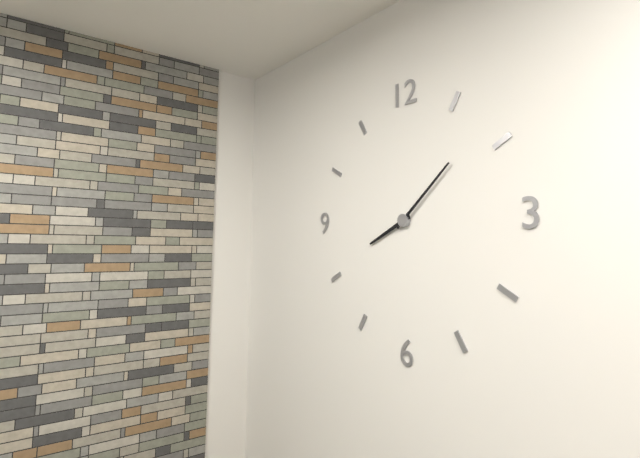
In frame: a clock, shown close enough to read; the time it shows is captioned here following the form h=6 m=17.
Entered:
h=8 m=8
